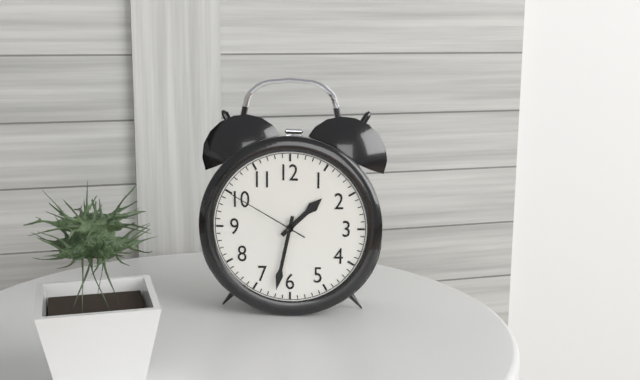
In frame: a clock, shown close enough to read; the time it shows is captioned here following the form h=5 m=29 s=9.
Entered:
h=1 m=32 s=50
